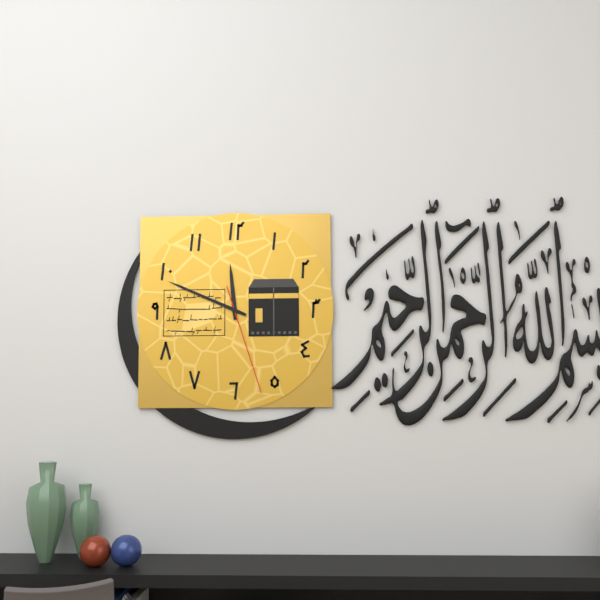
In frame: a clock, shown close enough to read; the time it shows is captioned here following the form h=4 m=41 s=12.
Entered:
h=11 m=49 s=27
